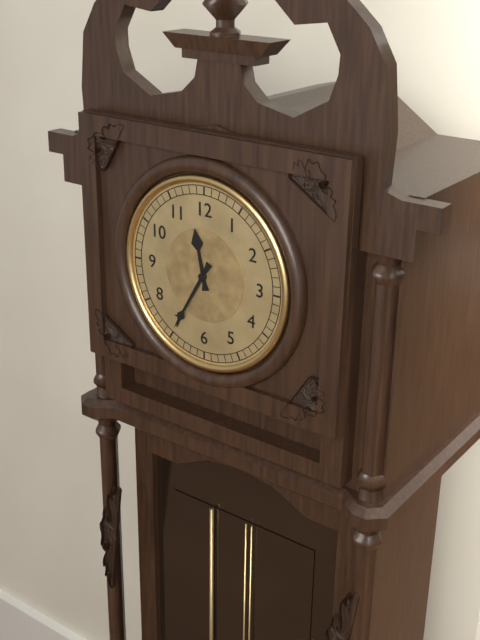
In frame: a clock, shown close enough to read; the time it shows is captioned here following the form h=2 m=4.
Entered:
h=11 m=35
